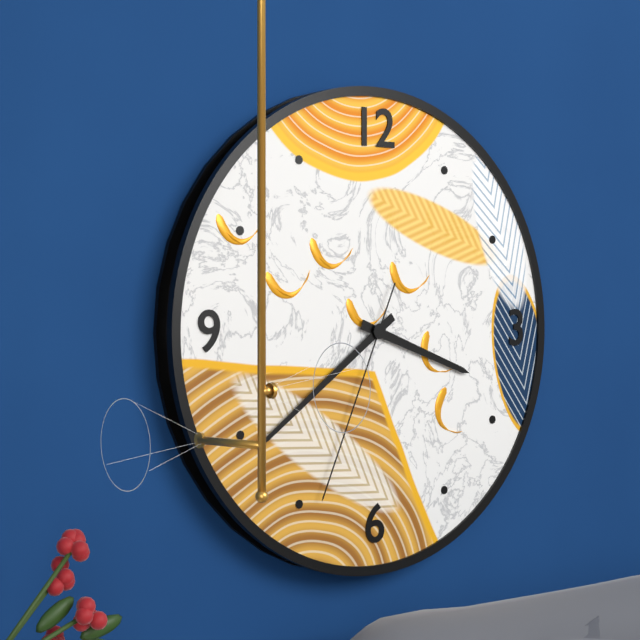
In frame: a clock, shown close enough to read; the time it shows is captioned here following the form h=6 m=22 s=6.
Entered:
h=3 m=39 s=34
